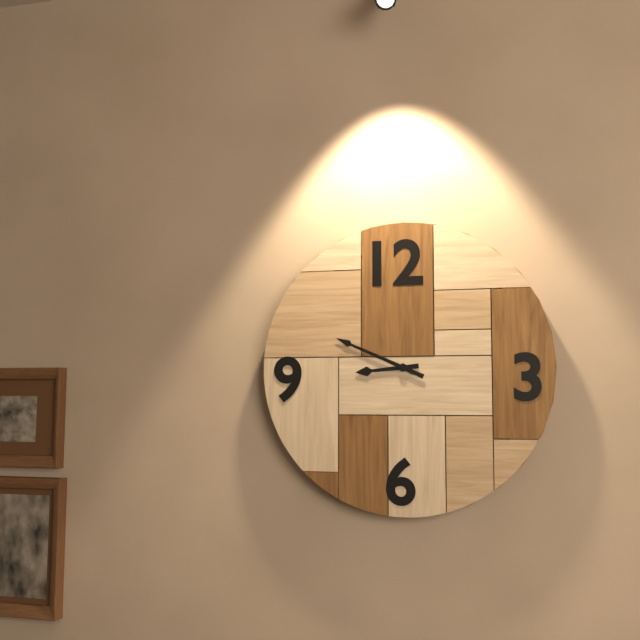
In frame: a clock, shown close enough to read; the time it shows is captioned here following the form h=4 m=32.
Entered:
h=8 m=49
